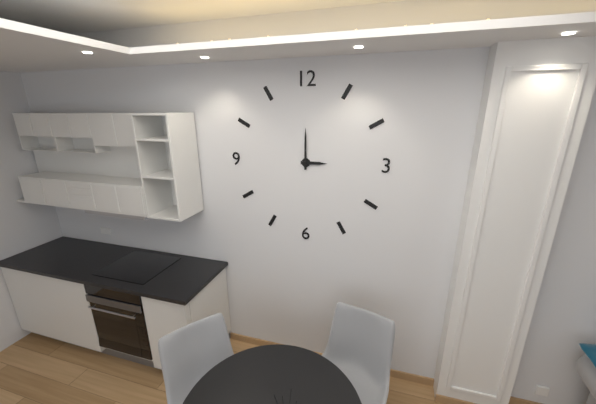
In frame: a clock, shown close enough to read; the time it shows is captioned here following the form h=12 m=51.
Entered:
h=3 m=0
